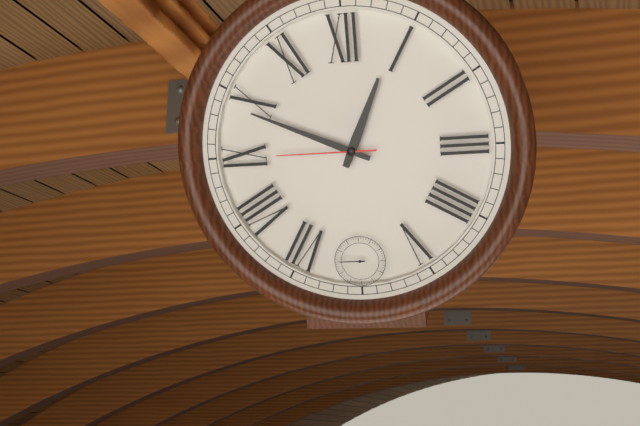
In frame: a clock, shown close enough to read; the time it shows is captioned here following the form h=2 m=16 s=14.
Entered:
h=12 m=49 s=45
